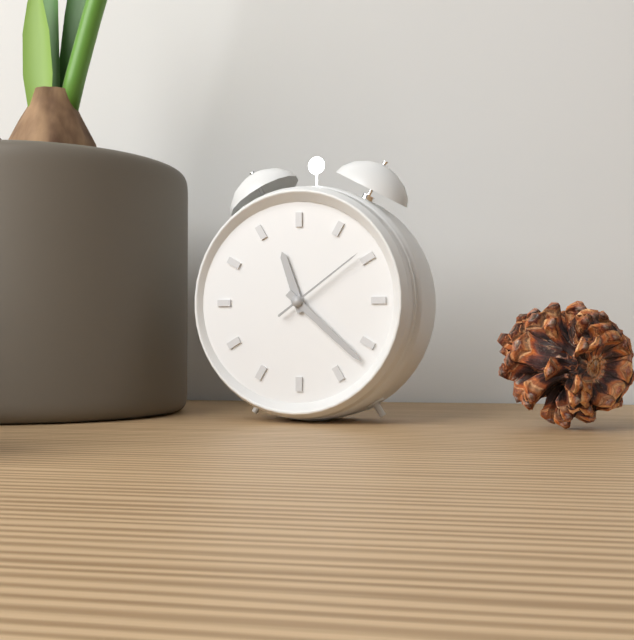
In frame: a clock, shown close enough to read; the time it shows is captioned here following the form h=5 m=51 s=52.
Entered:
h=11 m=22 s=9
